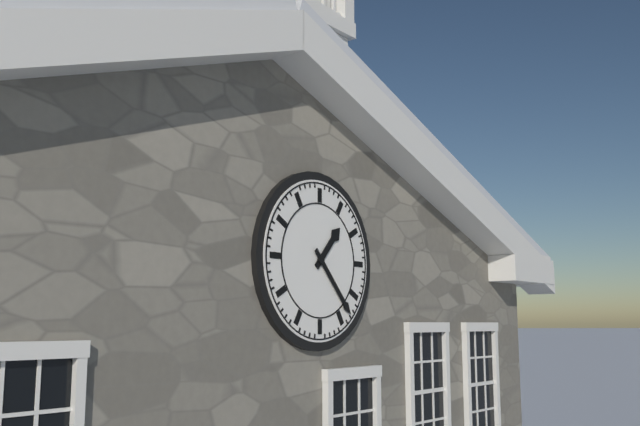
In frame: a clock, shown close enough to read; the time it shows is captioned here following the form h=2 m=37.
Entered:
h=1 m=23
